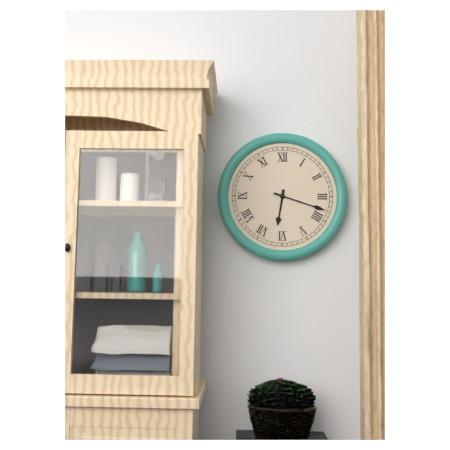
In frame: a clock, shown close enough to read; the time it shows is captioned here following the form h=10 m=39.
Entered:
h=6 m=18
